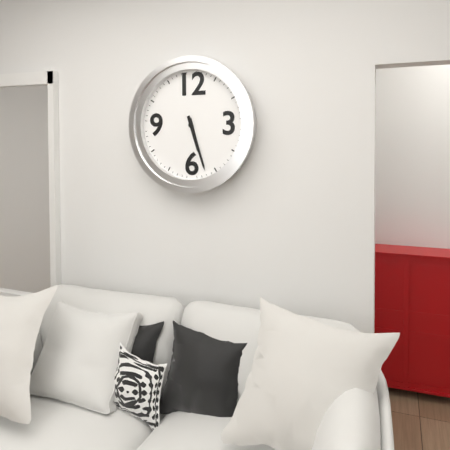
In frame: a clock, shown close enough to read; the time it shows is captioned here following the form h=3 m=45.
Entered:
h=5 m=27
